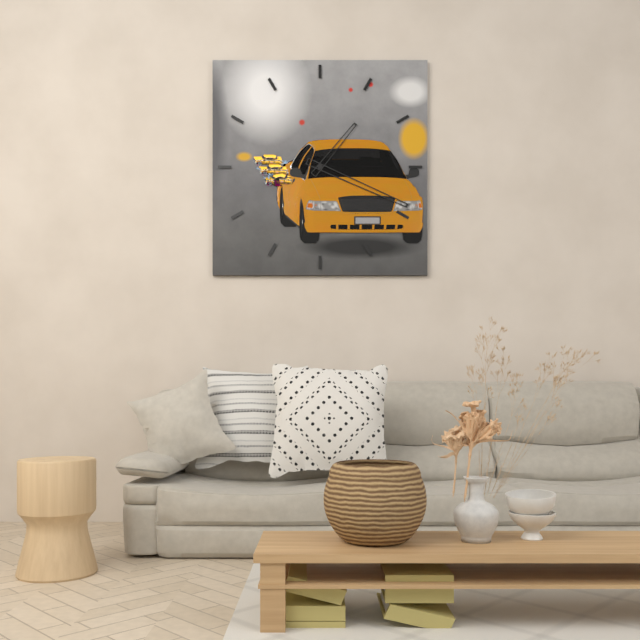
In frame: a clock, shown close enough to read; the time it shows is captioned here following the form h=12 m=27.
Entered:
h=1 m=19
